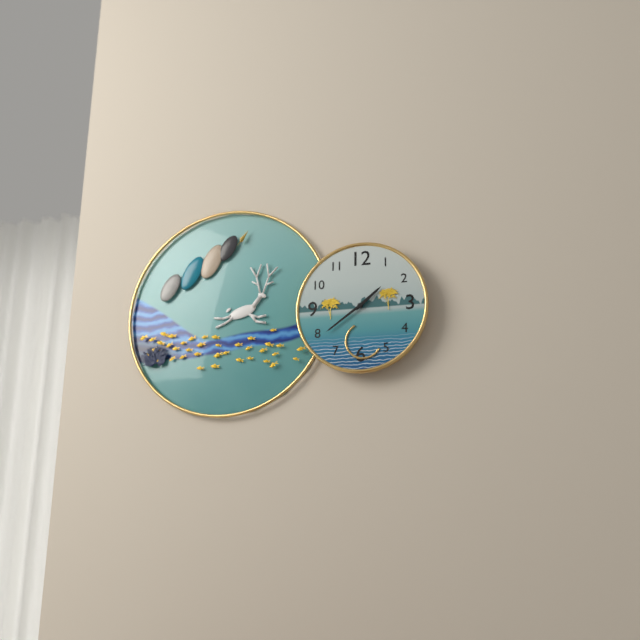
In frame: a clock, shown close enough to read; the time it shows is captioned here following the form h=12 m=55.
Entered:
h=1 m=39
